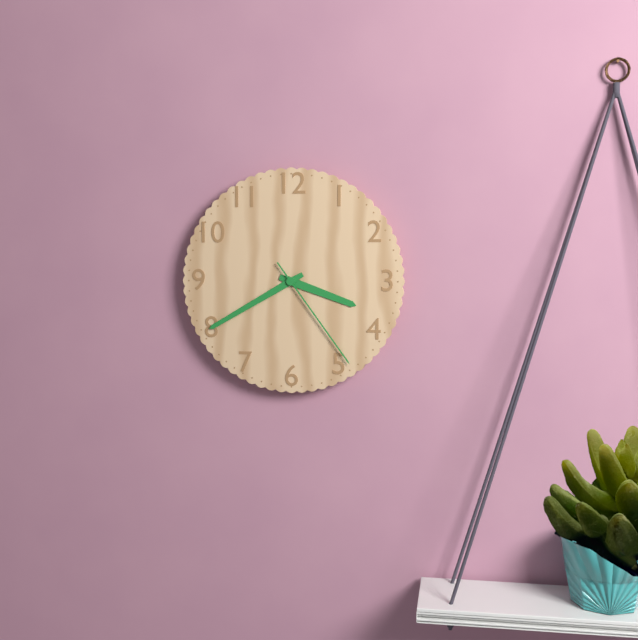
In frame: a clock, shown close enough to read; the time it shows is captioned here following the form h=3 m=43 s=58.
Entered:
h=3 m=40 s=24
